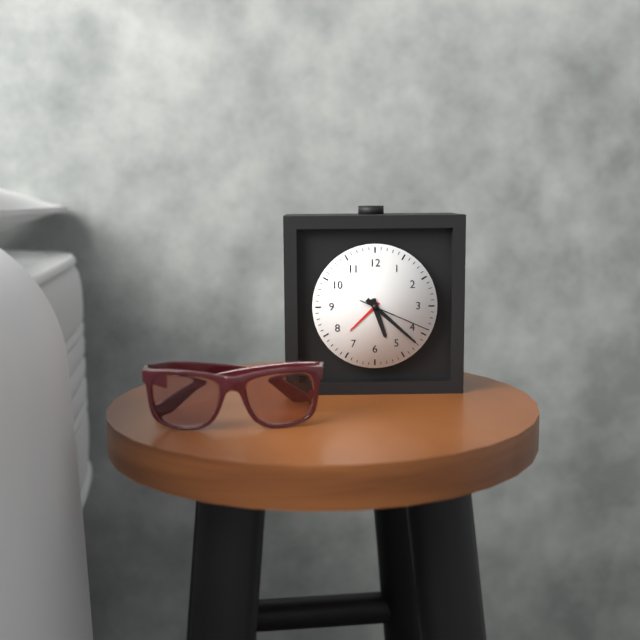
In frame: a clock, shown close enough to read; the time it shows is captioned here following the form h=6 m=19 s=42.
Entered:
h=5 m=22 s=19
